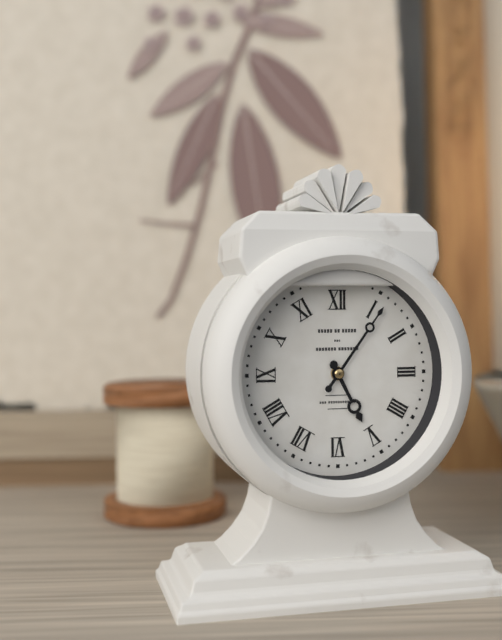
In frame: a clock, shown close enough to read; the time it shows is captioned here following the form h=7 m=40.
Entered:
h=5 m=6
